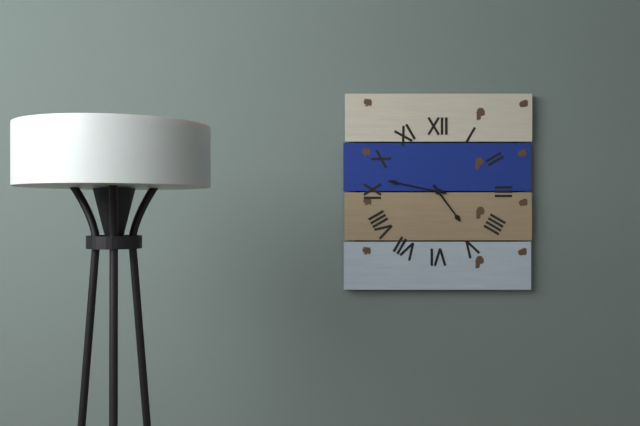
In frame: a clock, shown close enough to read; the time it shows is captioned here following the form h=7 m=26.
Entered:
h=4 m=47
